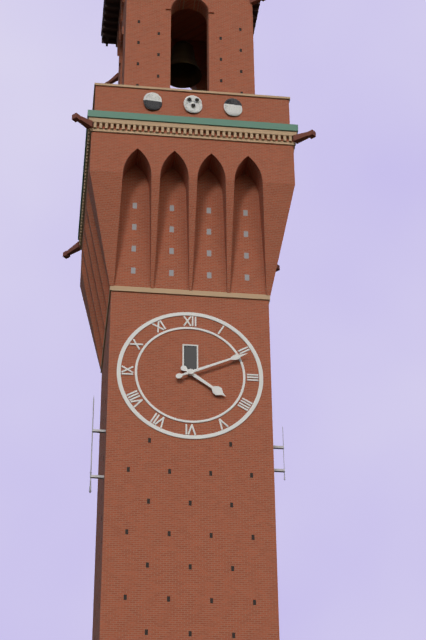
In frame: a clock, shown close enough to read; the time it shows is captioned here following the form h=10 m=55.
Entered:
h=4 m=11
